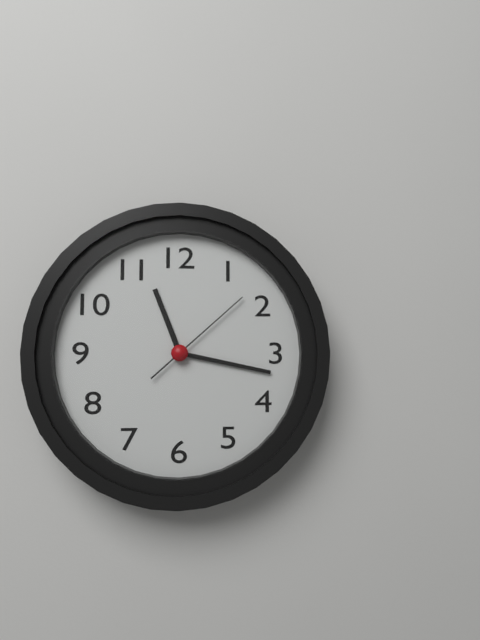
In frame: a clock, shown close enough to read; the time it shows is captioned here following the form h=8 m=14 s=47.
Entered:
h=11 m=17 s=8
